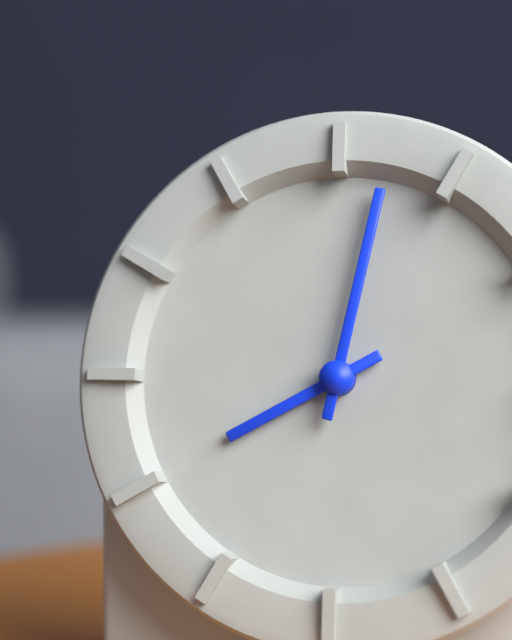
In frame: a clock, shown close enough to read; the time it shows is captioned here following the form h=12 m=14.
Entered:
h=8 m=2
